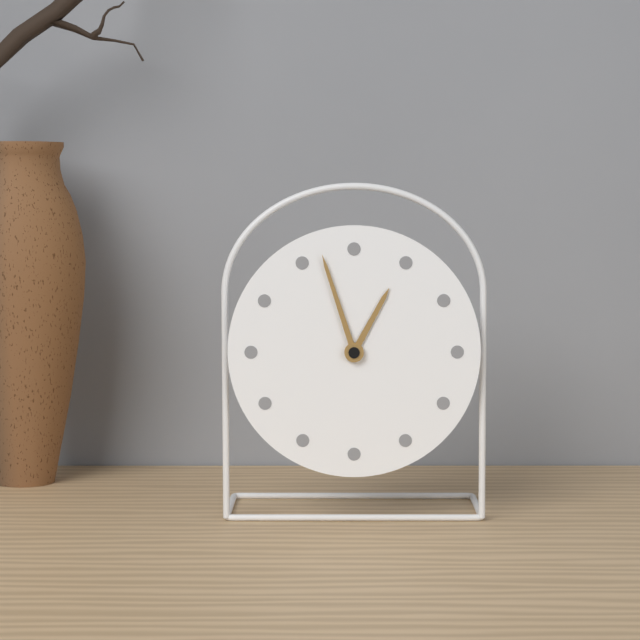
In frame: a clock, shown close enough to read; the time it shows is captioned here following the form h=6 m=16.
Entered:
h=12 m=57
